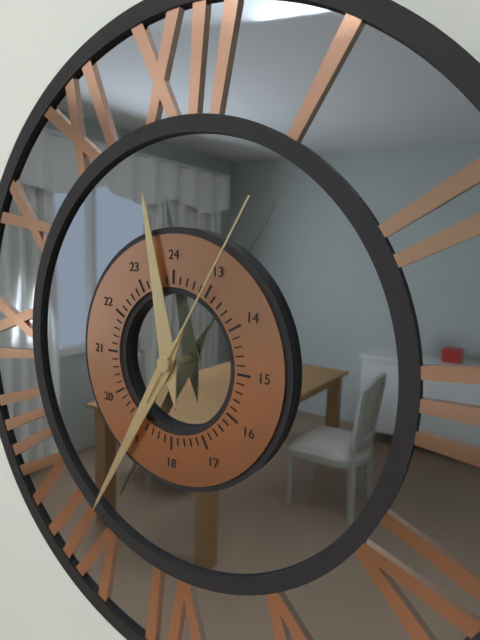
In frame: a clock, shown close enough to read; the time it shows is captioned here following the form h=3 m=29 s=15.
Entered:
h=11 m=35 s=5
